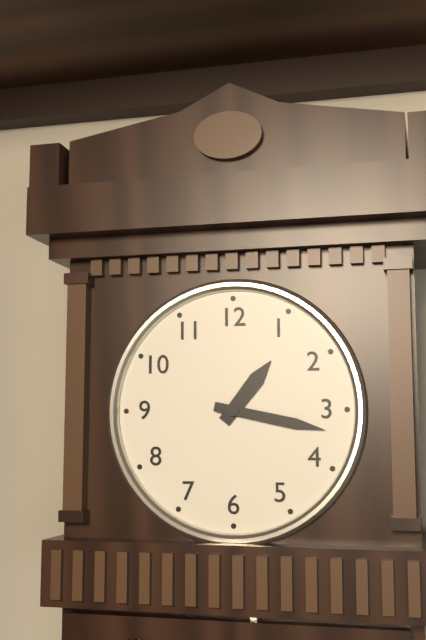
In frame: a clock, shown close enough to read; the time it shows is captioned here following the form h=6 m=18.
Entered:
h=1 m=17
